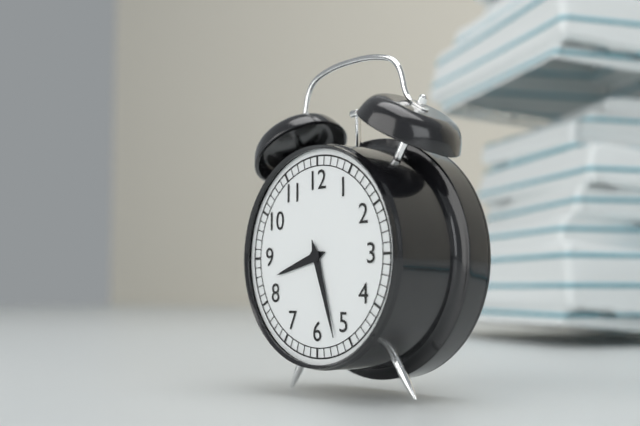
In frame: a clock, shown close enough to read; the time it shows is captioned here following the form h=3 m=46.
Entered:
h=8 m=27
